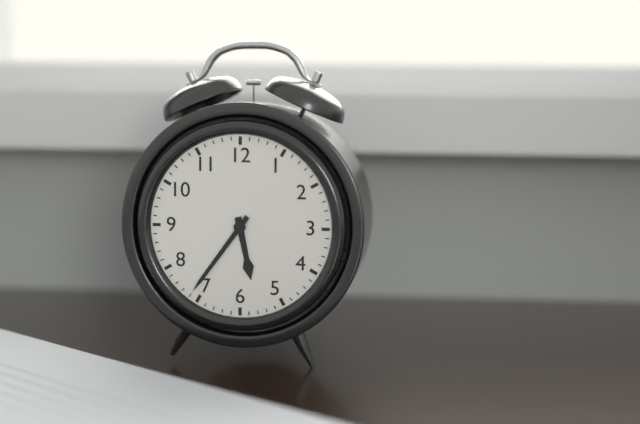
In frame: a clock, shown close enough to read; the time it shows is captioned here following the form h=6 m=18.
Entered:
h=5 m=36
